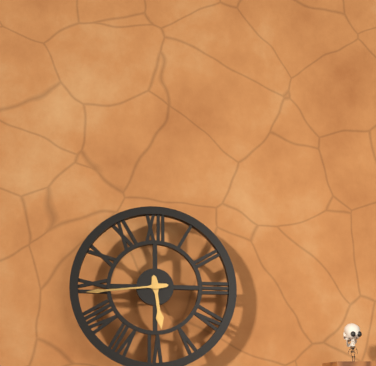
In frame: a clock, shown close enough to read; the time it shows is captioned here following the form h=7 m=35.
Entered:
h=5 m=44
